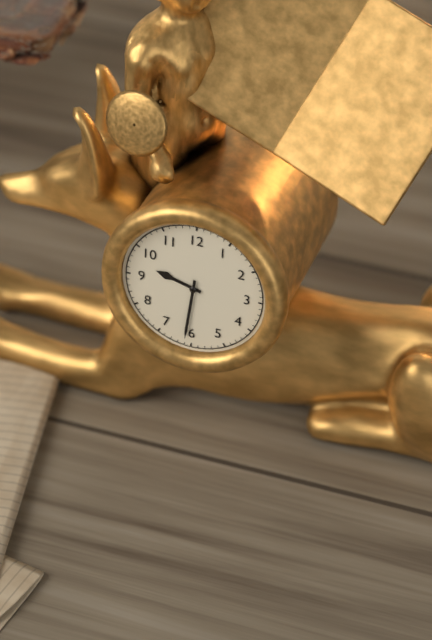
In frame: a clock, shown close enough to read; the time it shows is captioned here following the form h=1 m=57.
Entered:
h=9 m=31
